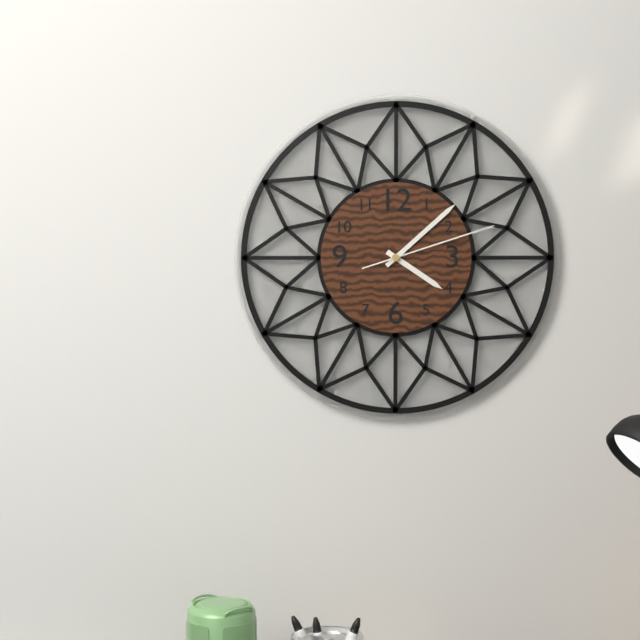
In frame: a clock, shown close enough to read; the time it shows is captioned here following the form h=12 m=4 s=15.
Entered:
h=4 m=8 s=12
